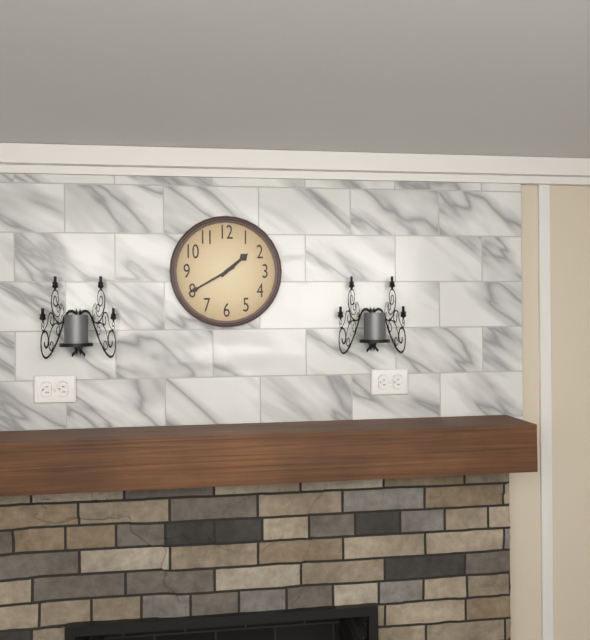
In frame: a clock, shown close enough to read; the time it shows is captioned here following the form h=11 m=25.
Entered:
h=1 m=40
